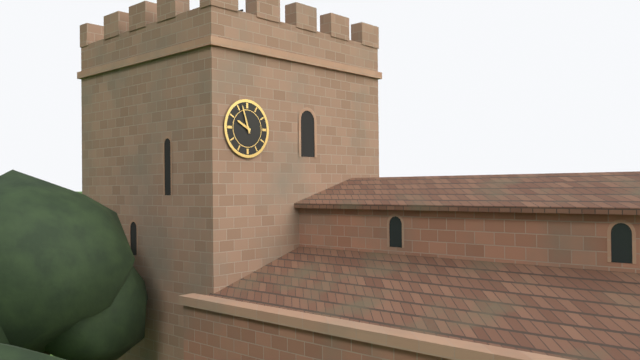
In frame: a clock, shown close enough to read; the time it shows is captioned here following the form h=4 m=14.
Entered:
h=9 m=57
